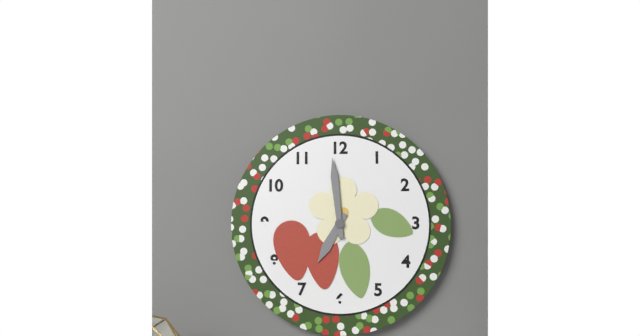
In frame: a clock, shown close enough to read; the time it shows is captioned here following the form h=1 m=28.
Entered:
h=6 m=59
